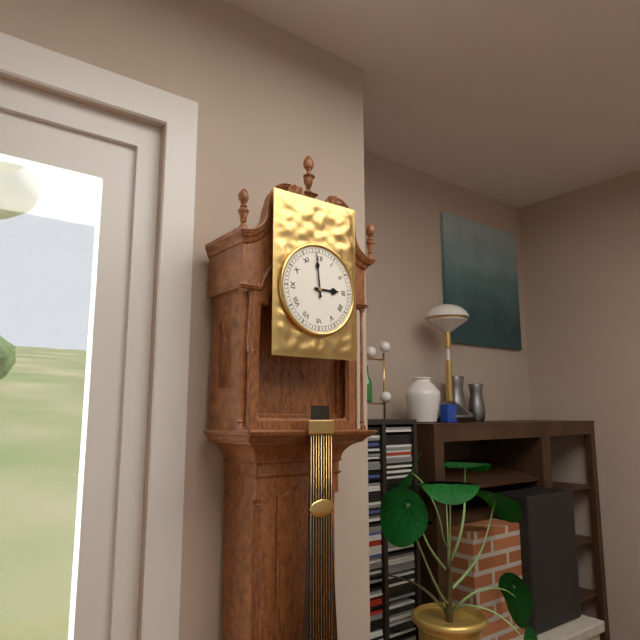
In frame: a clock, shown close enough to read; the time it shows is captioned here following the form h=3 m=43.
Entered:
h=2 m=59
